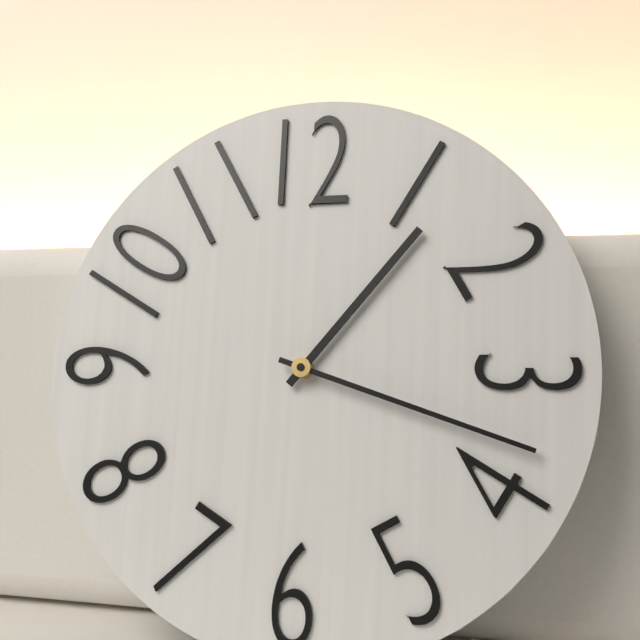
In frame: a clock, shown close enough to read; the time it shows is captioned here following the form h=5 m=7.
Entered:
h=1 m=18
